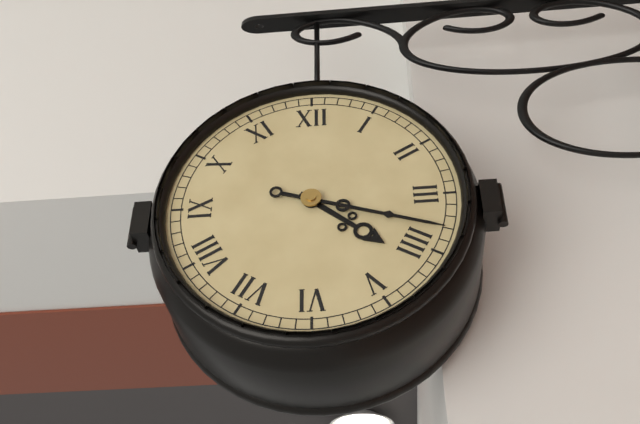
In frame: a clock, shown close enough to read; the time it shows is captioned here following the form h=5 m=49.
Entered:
h=4 m=18
